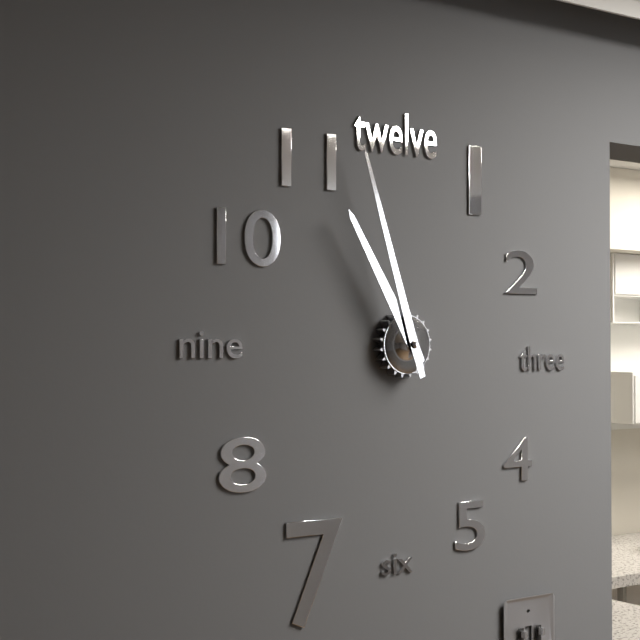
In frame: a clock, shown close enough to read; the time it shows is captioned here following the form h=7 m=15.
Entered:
h=10 m=57
